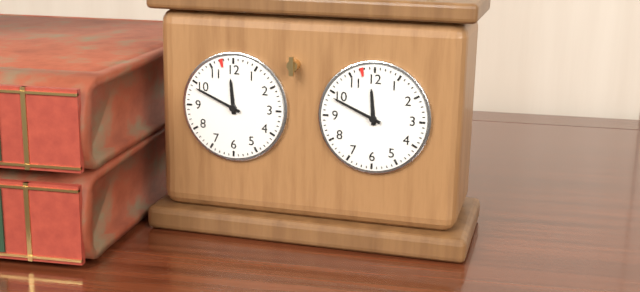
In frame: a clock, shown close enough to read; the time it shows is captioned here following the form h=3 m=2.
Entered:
h=11 m=49
